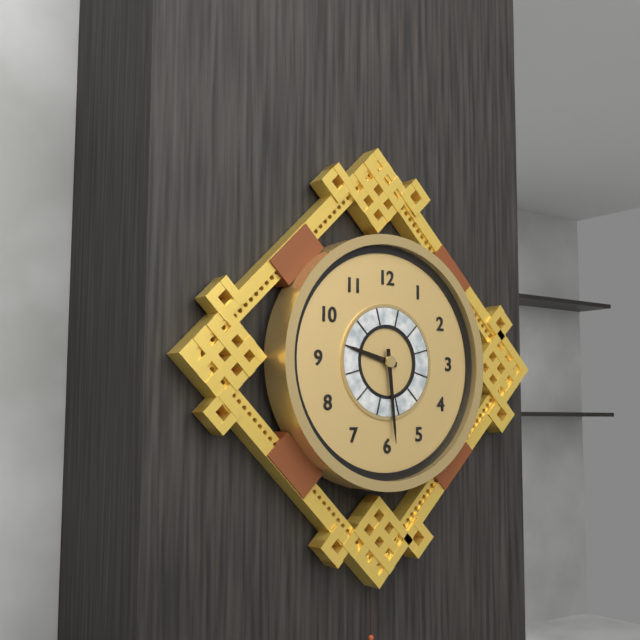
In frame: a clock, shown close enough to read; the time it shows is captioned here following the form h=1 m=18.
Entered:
h=9 m=29
